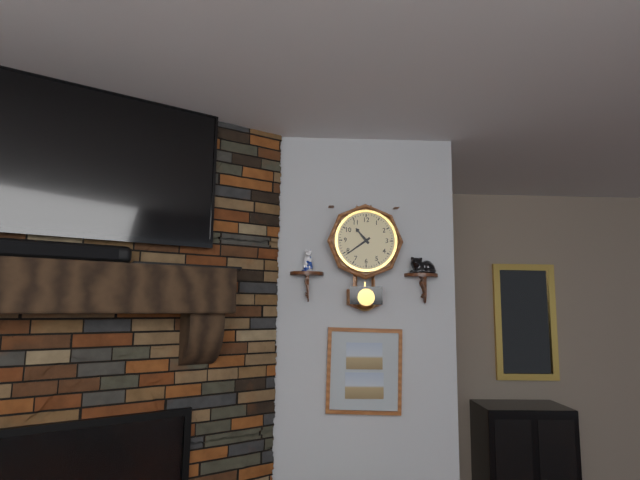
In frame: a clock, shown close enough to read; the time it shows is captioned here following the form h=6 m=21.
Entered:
h=10 m=39
